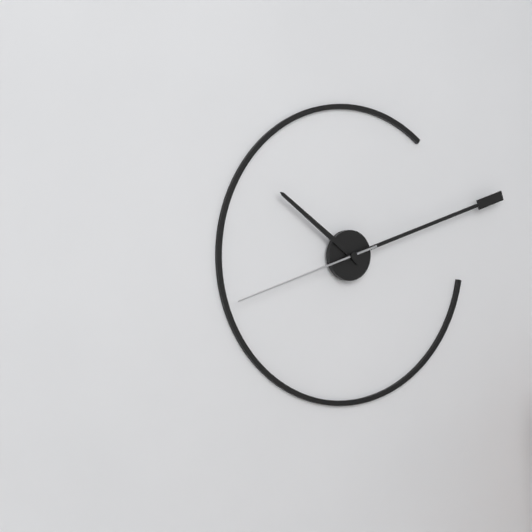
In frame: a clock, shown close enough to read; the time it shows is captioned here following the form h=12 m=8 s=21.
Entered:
h=10 m=12 s=42
